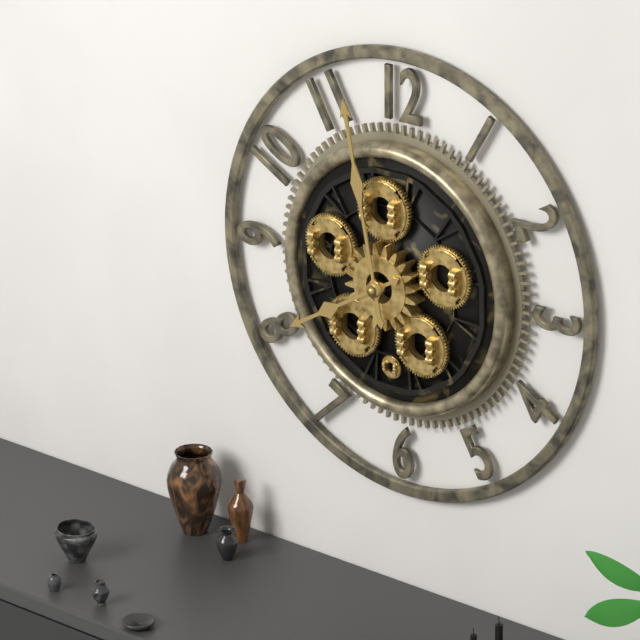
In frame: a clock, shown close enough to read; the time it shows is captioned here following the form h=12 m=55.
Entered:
h=7 m=58
